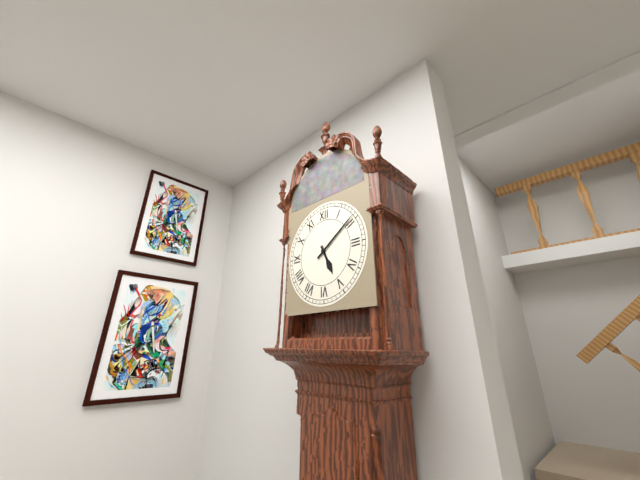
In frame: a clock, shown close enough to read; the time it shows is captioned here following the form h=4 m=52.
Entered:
h=5 m=9
